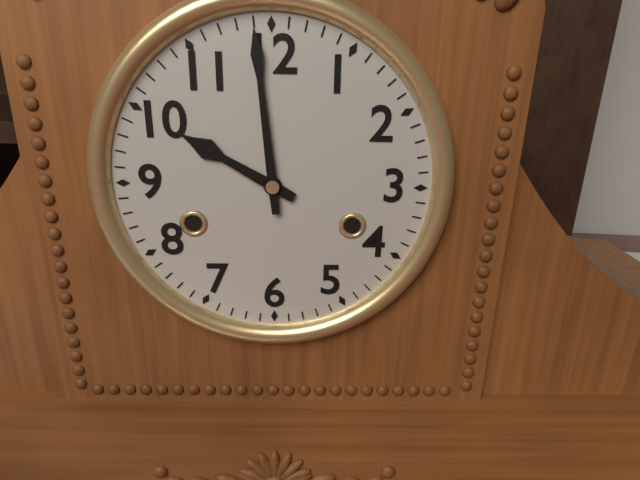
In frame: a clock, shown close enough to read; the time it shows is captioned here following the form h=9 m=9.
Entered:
h=9 m=59
